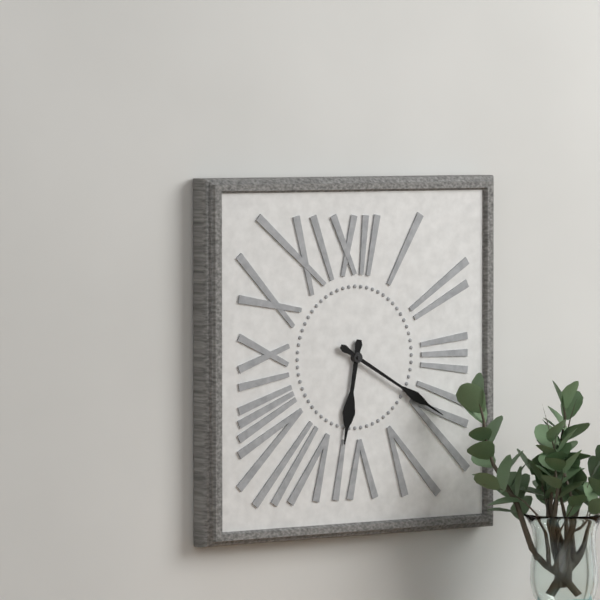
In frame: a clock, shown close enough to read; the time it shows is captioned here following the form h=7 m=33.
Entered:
h=6 m=20
